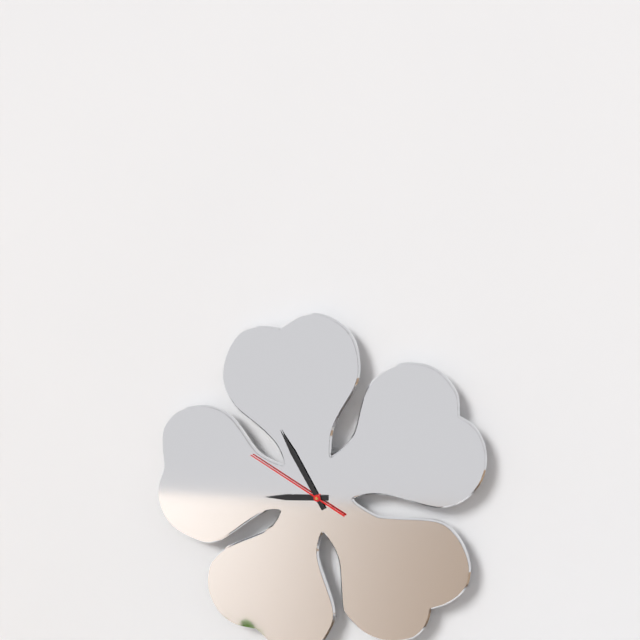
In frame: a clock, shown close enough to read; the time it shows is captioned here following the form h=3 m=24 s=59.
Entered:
h=8 m=55 s=50
